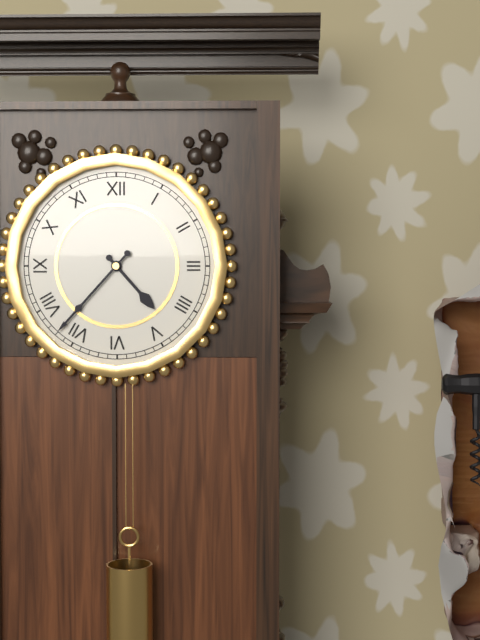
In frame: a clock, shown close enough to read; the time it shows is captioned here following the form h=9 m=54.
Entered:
h=4 m=37
